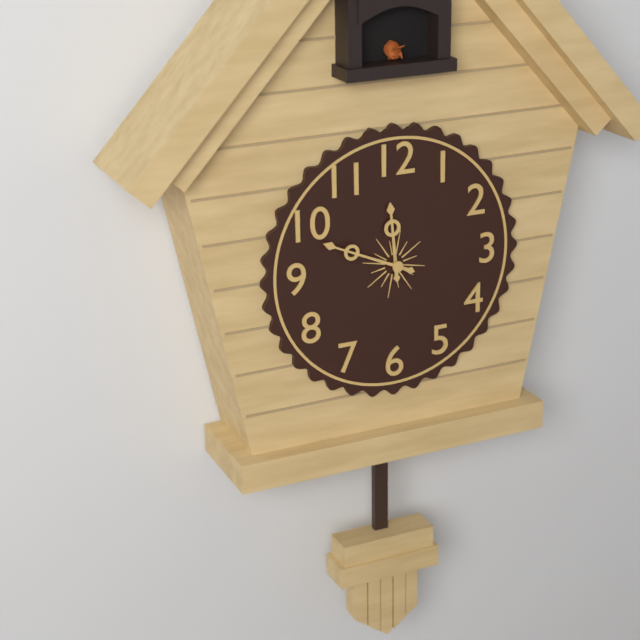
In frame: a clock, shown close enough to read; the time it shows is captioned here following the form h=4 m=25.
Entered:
h=11 m=49
